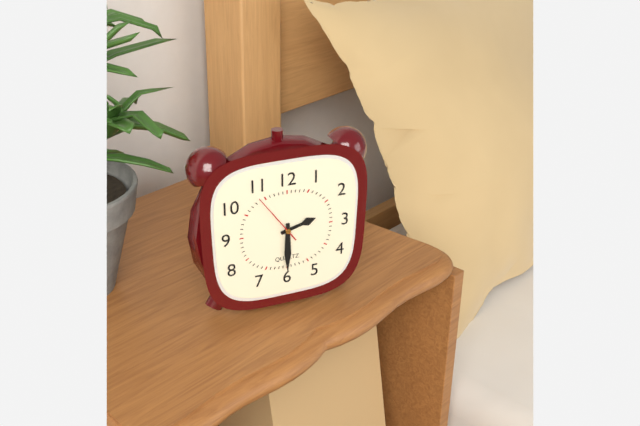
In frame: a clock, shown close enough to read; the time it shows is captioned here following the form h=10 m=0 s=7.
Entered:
h=2 m=30 s=54
